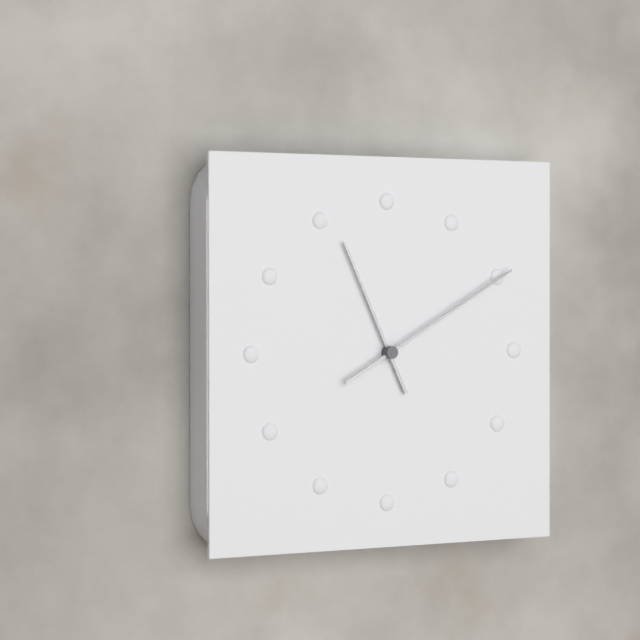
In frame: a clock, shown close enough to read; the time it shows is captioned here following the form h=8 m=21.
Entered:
h=11 m=10
